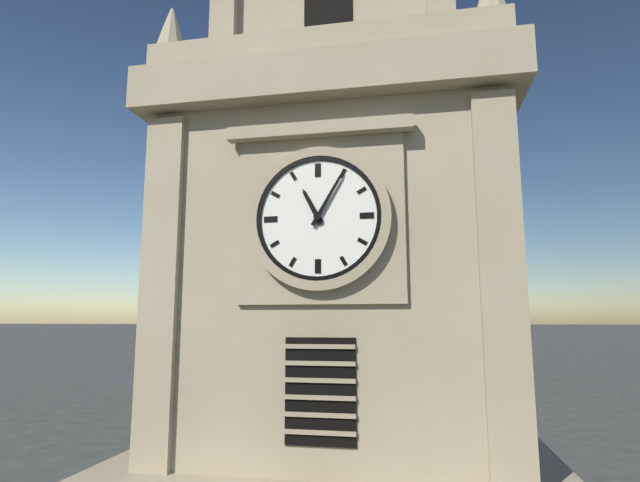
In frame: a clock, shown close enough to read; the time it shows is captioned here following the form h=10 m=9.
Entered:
h=11 m=5
